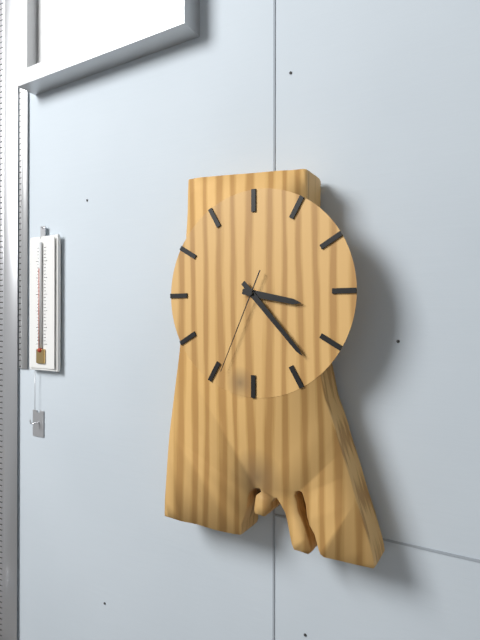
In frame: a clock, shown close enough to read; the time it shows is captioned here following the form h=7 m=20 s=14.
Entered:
h=3 m=23 s=34
